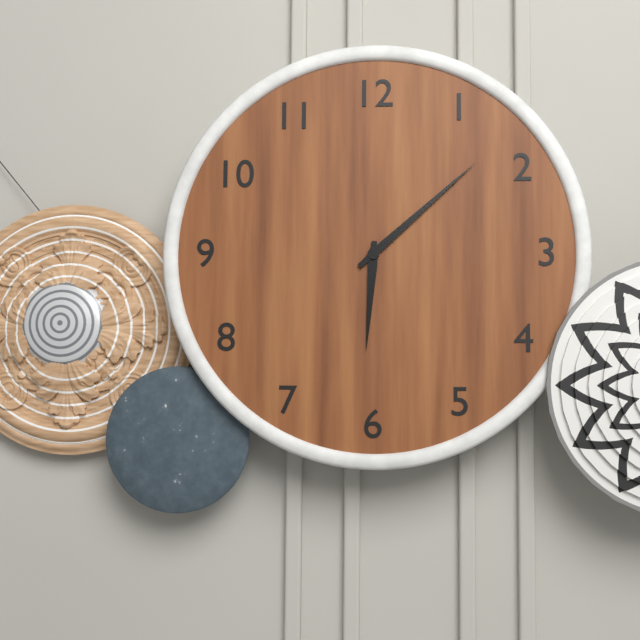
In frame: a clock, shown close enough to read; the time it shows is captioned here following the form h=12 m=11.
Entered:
h=6 m=8
